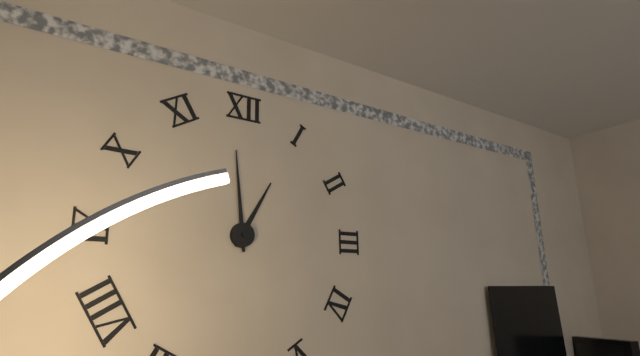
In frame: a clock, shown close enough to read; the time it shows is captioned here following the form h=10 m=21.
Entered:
h=12 m=59
